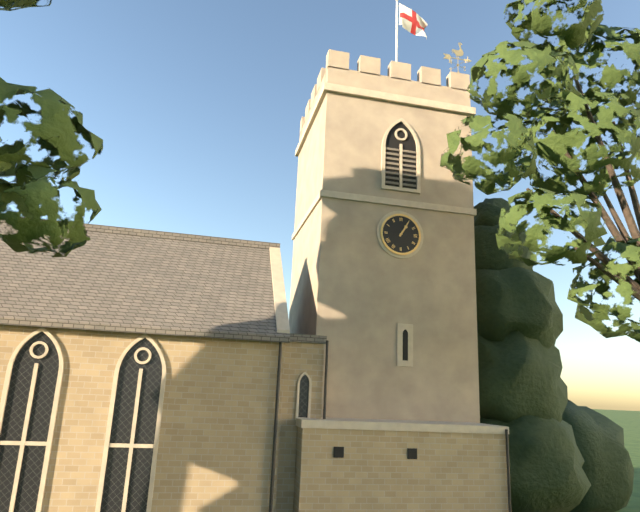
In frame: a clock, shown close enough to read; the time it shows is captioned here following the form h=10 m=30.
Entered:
h=1 m=5
